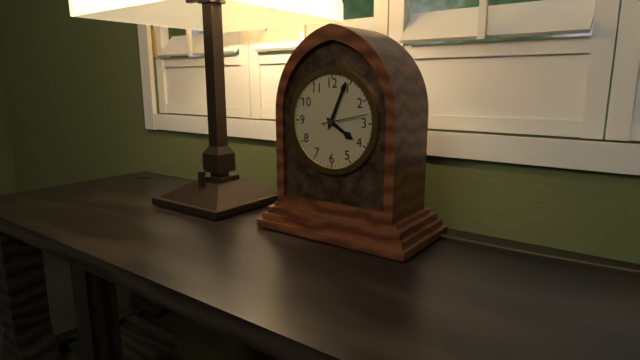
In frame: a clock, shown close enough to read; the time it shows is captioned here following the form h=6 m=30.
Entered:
h=4 m=4
